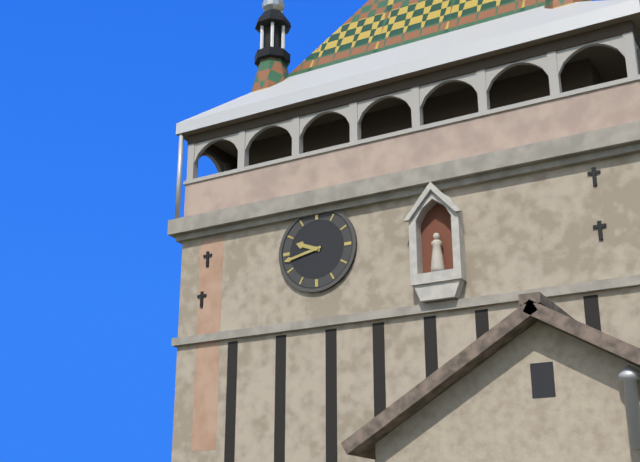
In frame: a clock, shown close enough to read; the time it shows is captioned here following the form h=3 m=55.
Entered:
h=9 m=43
